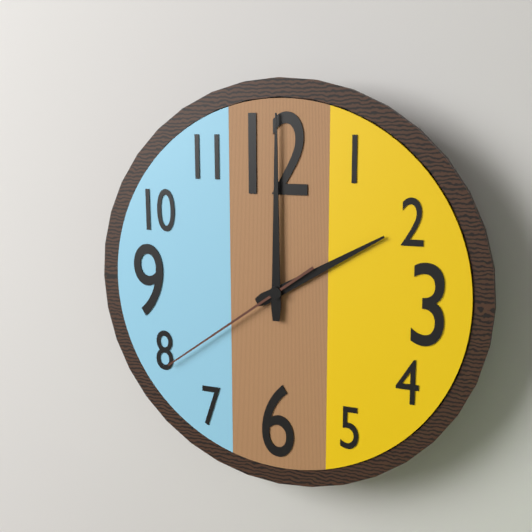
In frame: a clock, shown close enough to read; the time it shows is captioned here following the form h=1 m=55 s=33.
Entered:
h=2 m=0 s=39
